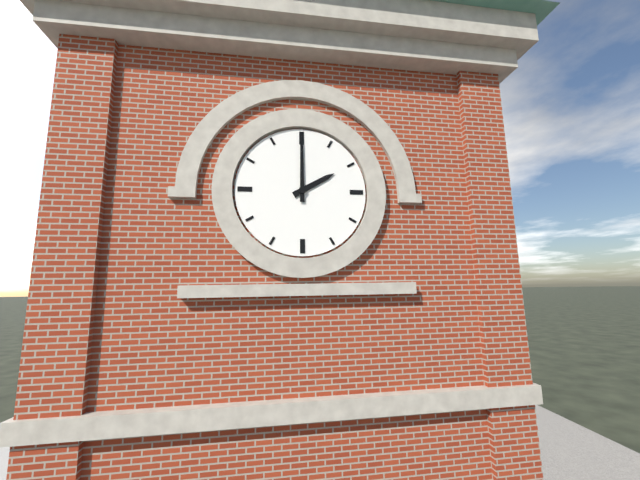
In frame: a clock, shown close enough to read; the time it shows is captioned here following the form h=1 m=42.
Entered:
h=2 m=0
